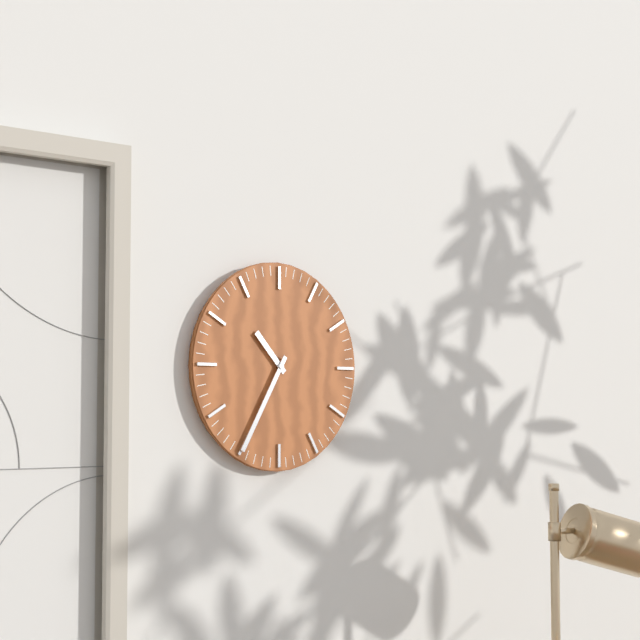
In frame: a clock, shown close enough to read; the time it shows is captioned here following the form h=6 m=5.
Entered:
h=10 m=35
